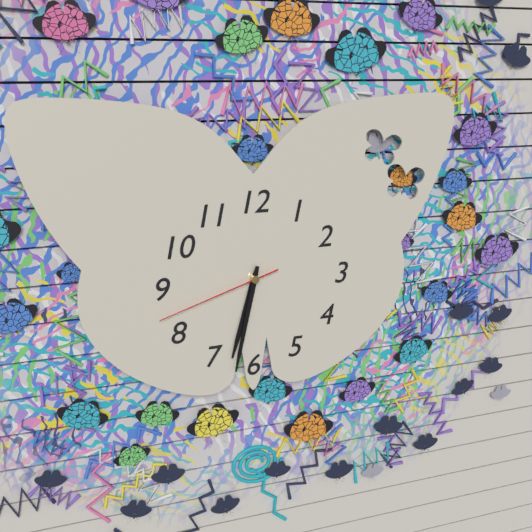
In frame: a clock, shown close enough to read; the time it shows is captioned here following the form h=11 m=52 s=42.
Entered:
h=6 m=32 s=42
